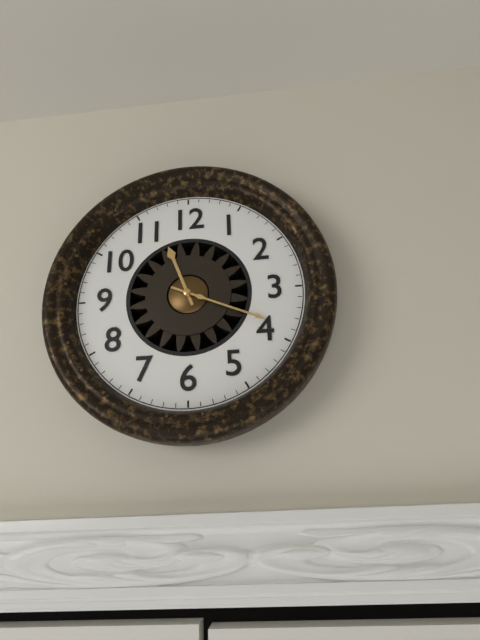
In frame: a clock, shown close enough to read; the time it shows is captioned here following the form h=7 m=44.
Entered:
h=11 m=19
